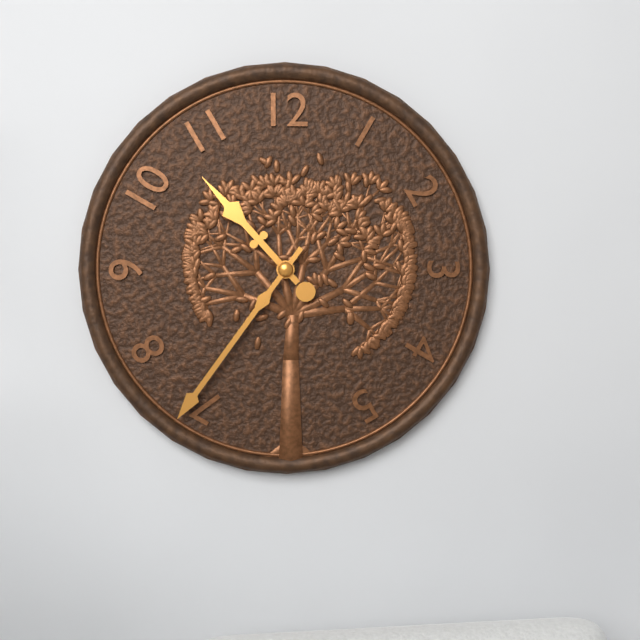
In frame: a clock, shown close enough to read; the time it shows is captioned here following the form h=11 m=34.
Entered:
h=10 m=36
